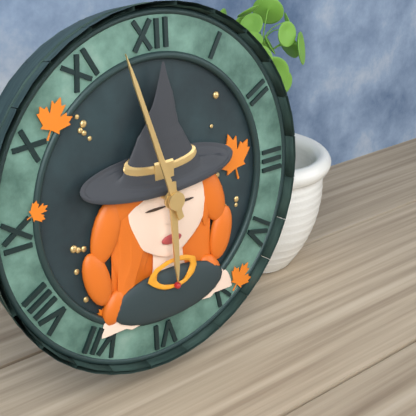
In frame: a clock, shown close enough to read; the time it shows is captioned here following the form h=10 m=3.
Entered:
h=5 m=57
